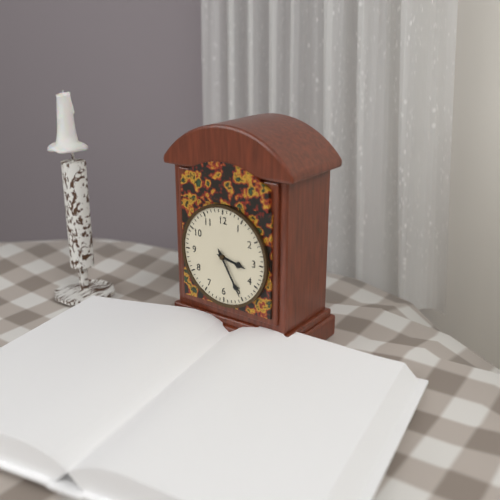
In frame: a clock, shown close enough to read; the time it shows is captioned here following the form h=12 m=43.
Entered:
h=3 m=25
